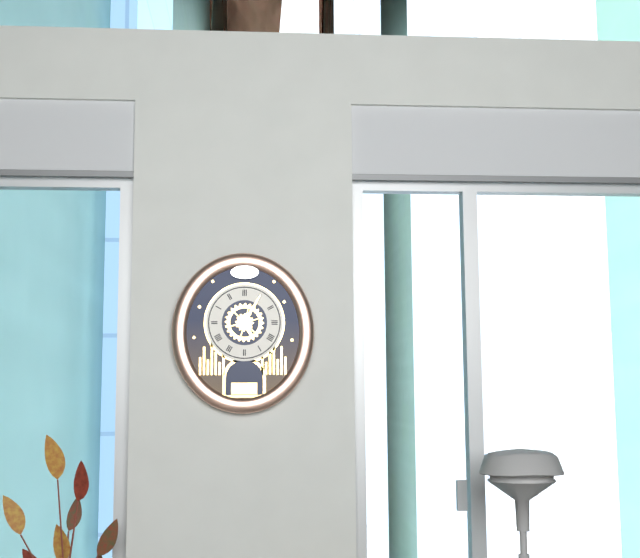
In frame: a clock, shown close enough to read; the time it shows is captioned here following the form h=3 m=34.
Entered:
h=5 m=5
